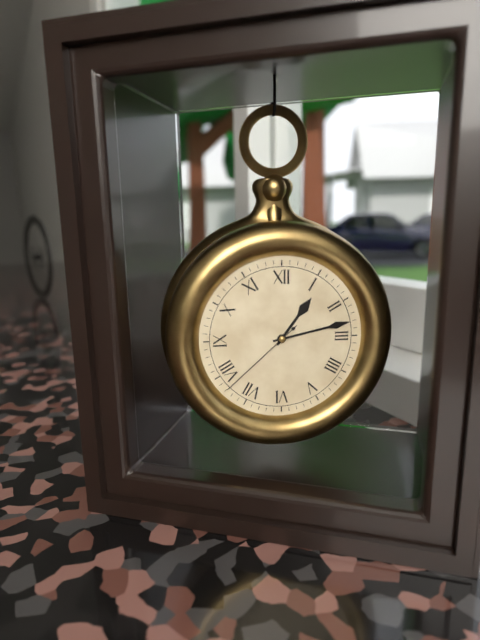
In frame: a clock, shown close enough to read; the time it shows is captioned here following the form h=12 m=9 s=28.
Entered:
h=1 m=13 s=38
